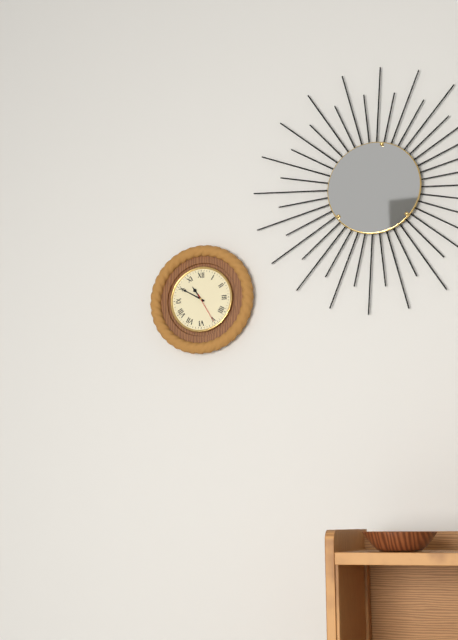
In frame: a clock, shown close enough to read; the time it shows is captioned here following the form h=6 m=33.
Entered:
h=10 m=50
